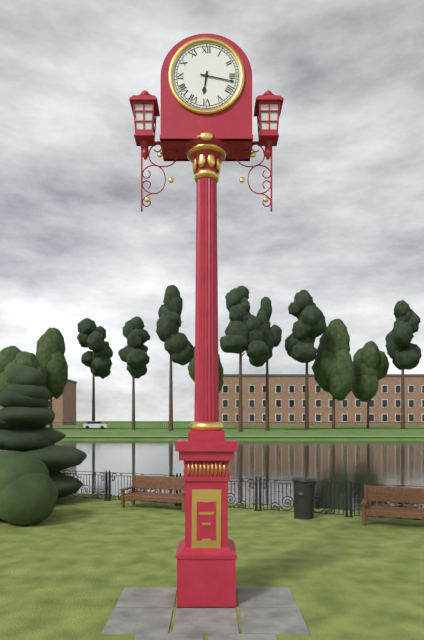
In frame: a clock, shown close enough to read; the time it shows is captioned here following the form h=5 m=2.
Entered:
h=6 m=17
